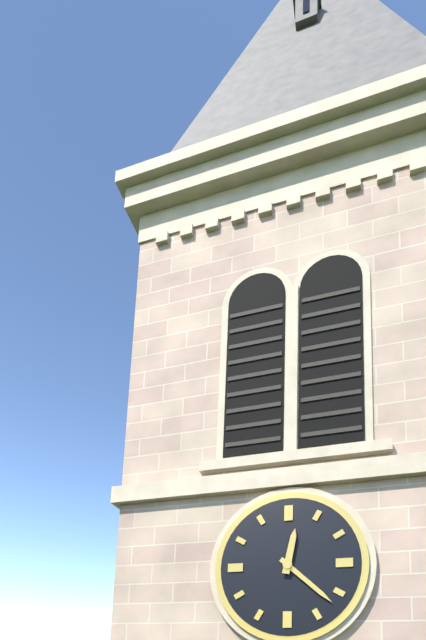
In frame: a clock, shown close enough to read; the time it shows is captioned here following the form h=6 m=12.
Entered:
h=12 m=22
